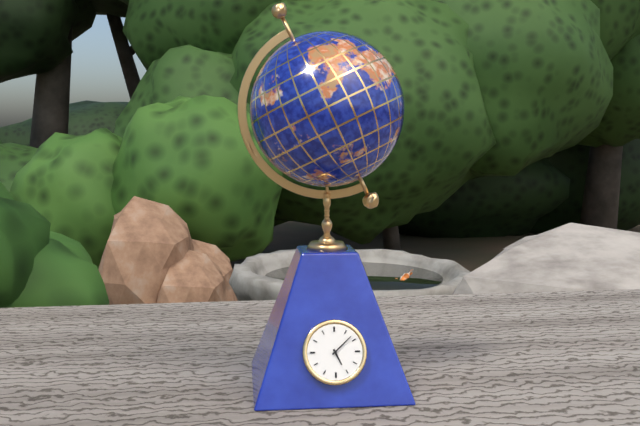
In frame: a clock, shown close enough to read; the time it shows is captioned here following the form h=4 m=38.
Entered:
h=5 m=8
